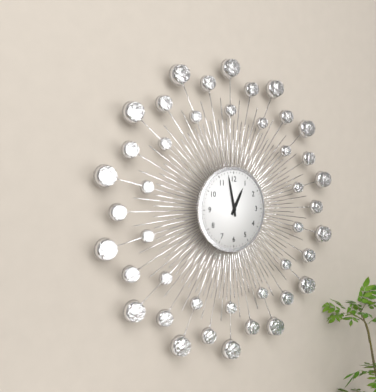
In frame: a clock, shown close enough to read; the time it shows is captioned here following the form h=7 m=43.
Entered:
h=12 m=58
